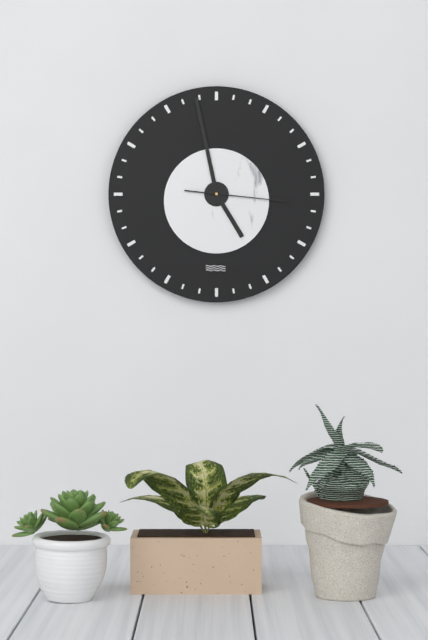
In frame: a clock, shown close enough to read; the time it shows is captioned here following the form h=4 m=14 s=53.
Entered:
h=4 m=58 s=16
